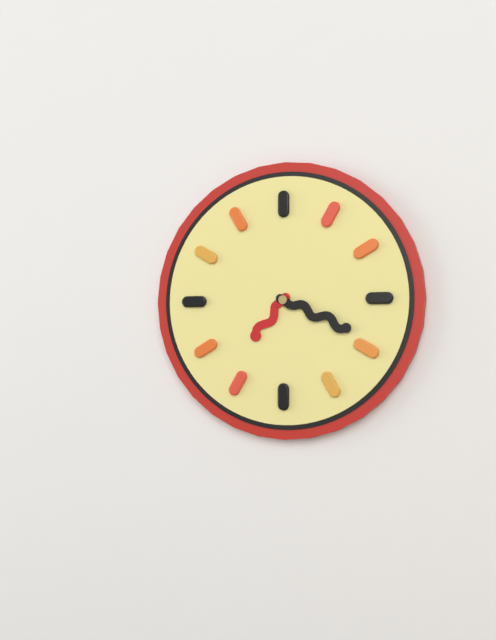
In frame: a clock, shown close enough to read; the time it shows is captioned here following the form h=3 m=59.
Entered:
h=7 m=19
